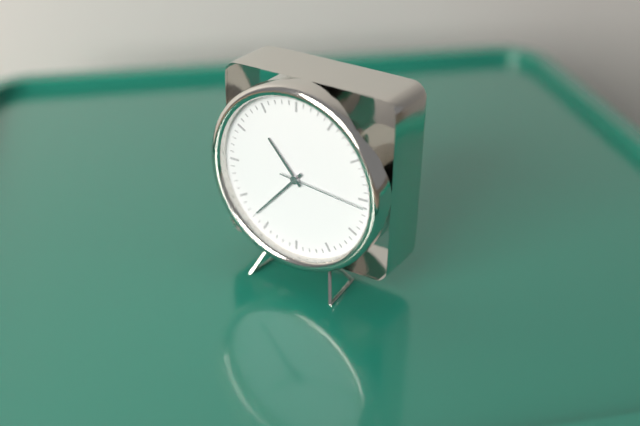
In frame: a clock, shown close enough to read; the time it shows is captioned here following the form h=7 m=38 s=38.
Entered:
h=10 m=37 s=16
